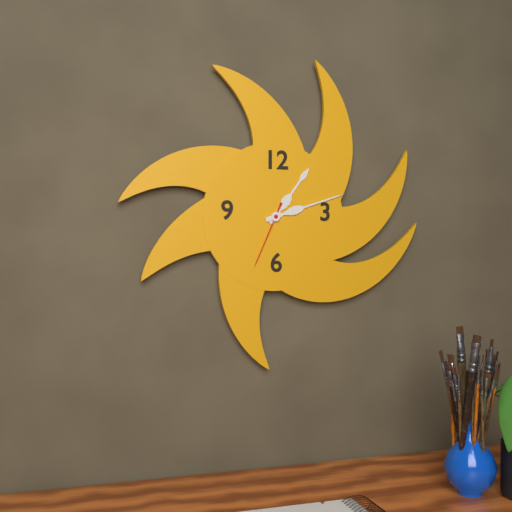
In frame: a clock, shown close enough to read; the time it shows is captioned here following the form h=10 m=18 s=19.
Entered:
h=1 m=12 s=34
